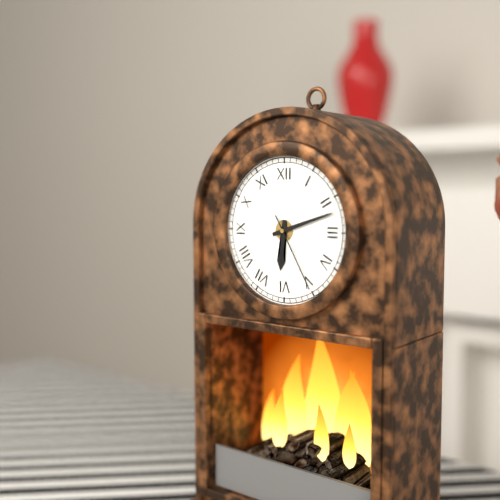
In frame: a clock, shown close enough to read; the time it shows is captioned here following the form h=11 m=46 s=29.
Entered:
h=6 m=12 s=25
